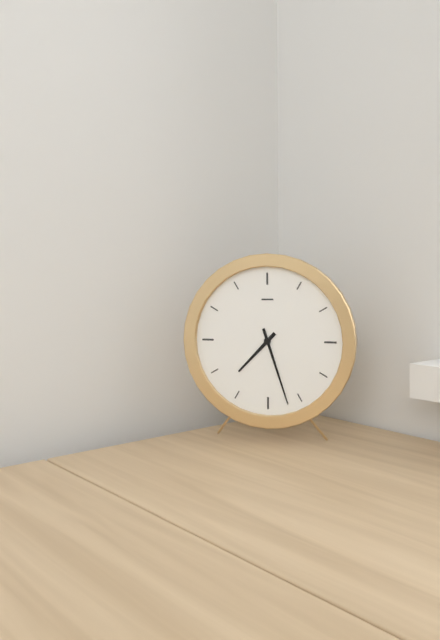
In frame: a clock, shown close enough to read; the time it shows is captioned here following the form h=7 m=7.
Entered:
h=7 m=27
